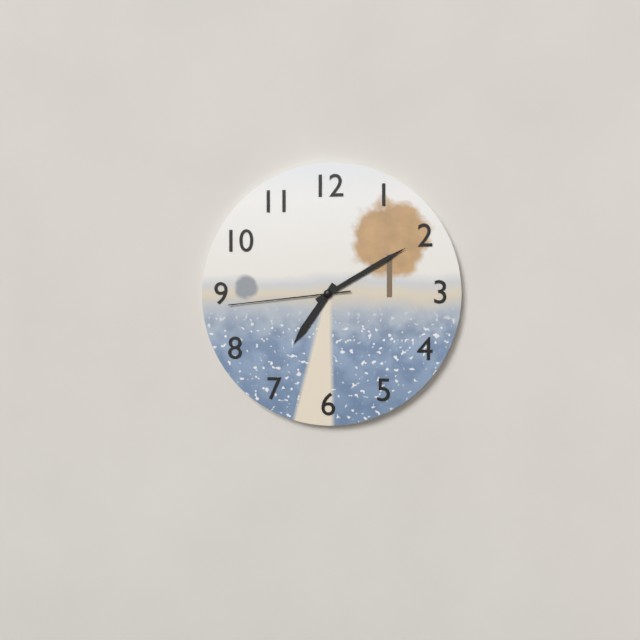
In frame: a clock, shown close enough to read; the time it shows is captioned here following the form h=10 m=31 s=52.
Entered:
h=7 m=10 s=44
